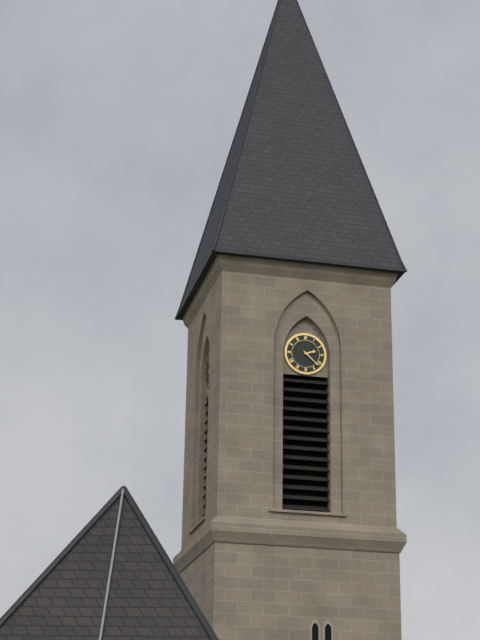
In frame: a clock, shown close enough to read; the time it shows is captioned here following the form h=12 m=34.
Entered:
h=2 m=22
